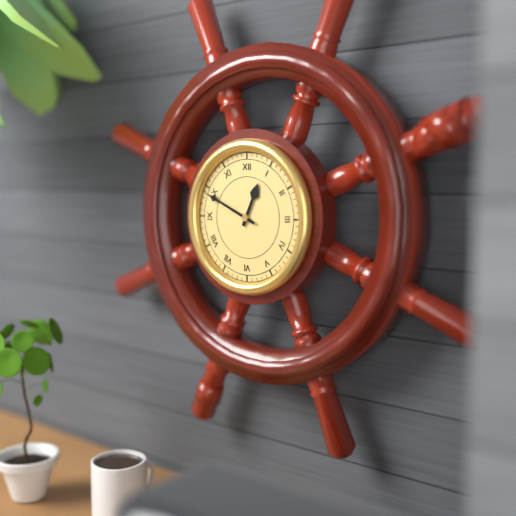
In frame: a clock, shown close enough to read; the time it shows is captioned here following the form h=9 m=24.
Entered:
h=12 m=49
